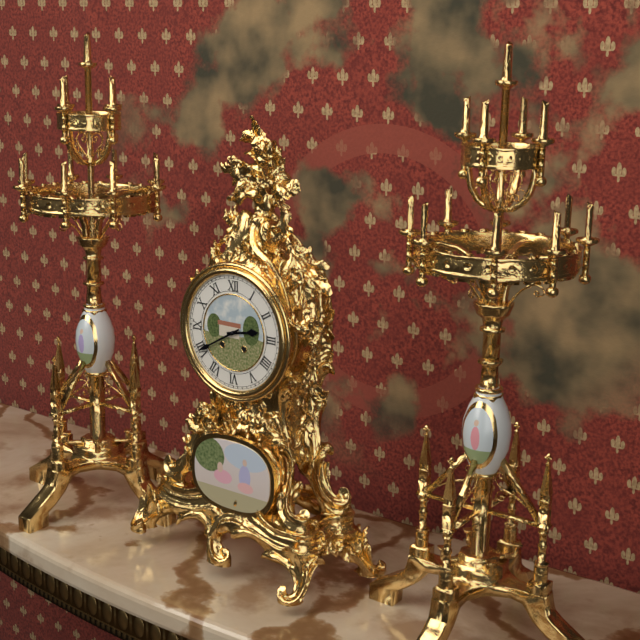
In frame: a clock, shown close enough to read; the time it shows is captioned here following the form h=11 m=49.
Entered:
h=2 m=40
